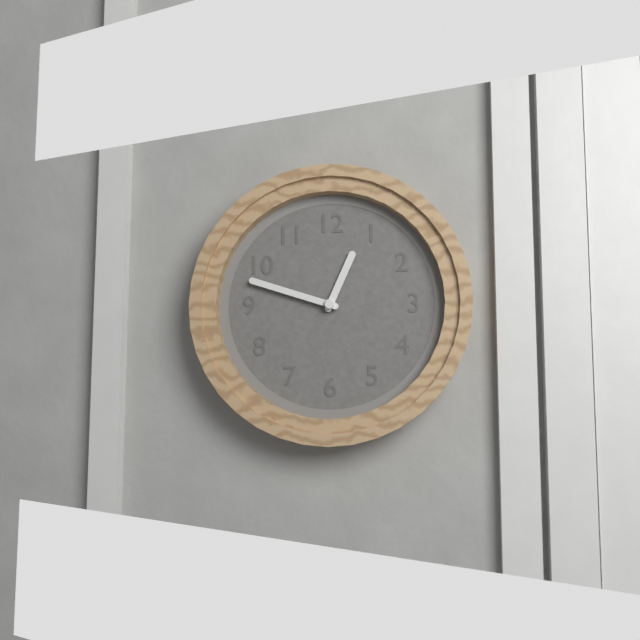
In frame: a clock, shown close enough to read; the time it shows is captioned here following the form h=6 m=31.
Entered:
h=12 m=48
